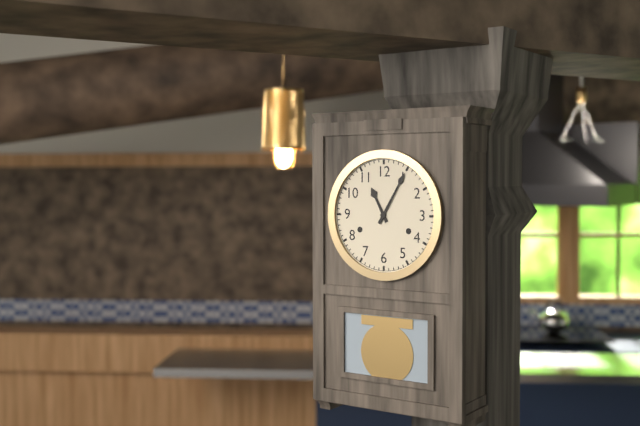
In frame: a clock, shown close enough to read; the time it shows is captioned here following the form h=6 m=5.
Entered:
h=11 m=5
